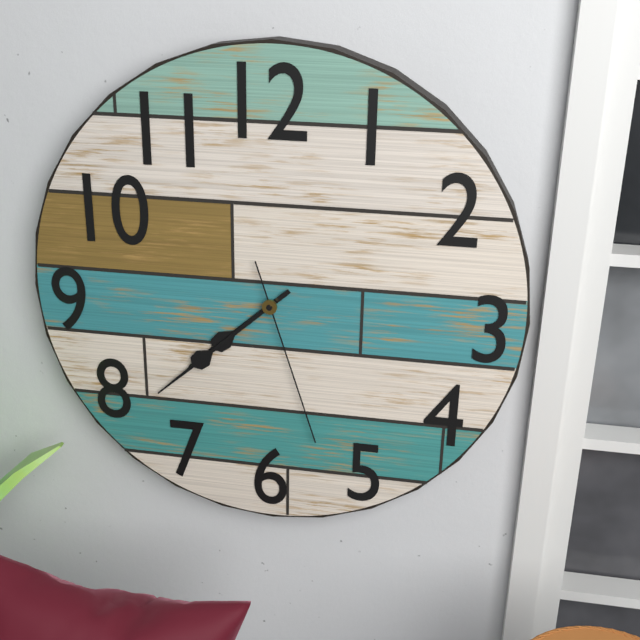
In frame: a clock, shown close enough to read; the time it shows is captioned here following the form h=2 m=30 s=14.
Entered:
h=7 m=38 s=27
